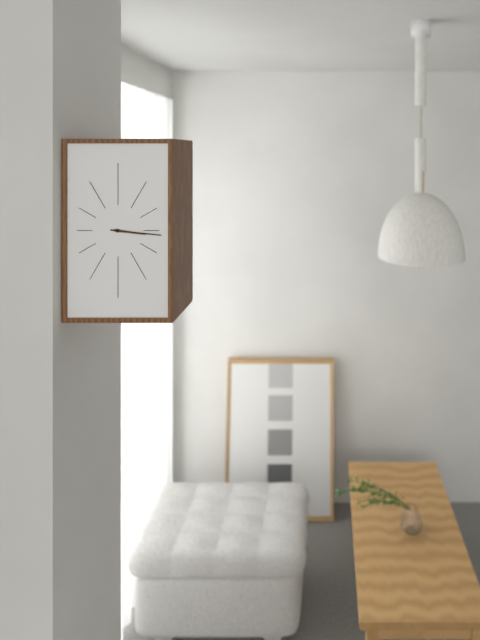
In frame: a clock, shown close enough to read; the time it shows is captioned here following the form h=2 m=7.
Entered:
h=3 m=16
